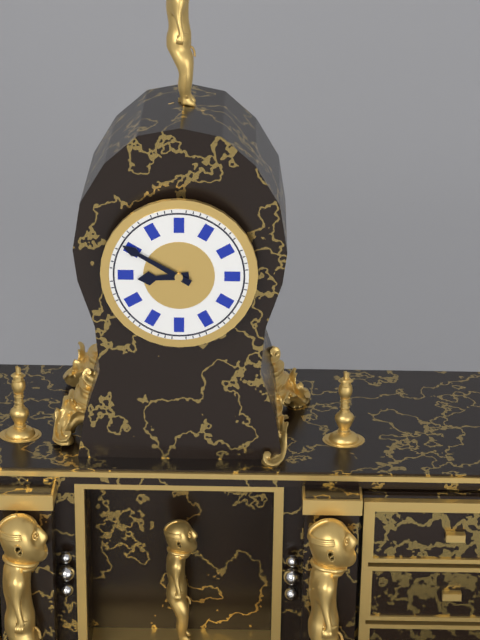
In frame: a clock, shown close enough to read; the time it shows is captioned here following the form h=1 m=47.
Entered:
h=8 m=50
